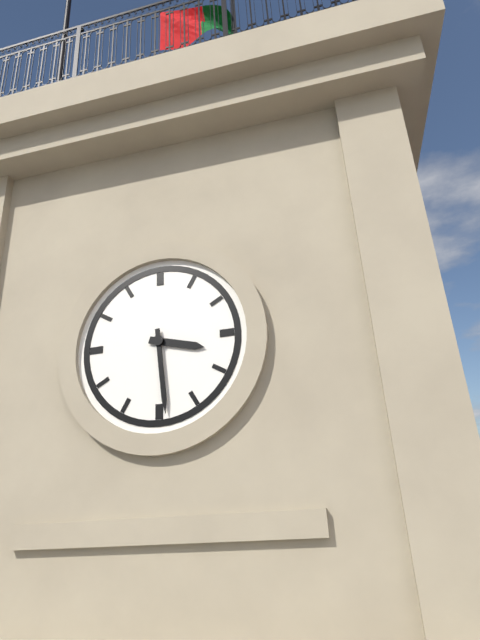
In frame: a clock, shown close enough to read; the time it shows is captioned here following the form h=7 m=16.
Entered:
h=3 m=29
